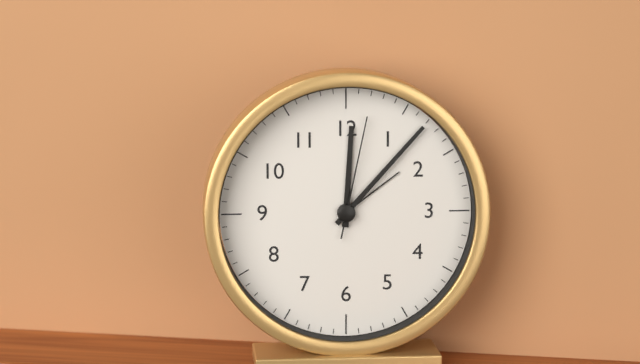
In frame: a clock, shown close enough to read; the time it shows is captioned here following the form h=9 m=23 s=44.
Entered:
h=12 m=7 s=2
